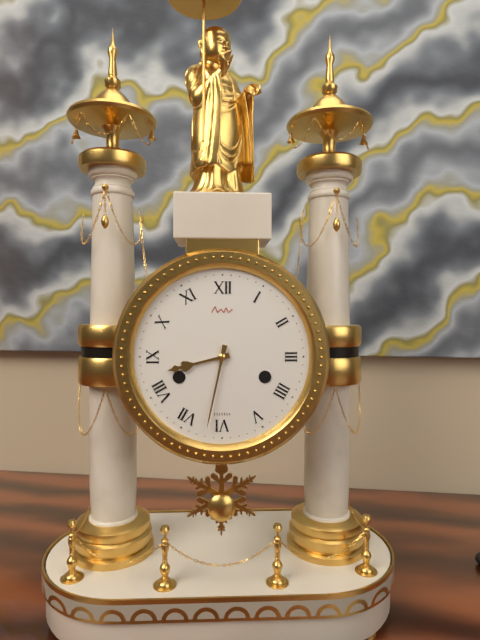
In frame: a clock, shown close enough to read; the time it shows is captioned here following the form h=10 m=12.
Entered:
h=8 m=32
